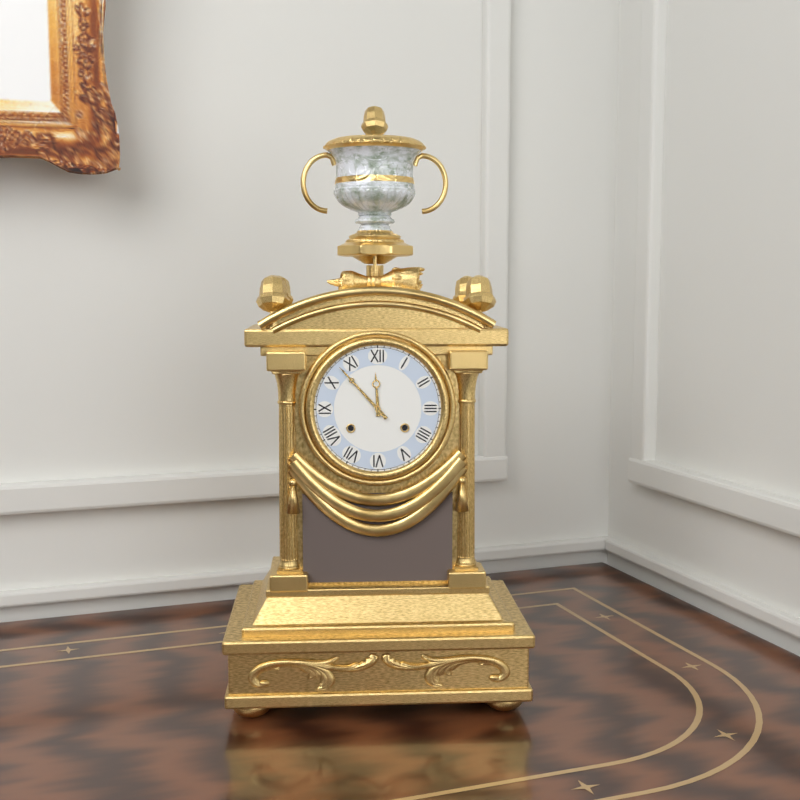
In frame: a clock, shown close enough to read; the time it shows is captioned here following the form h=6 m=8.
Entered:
h=11 m=53
